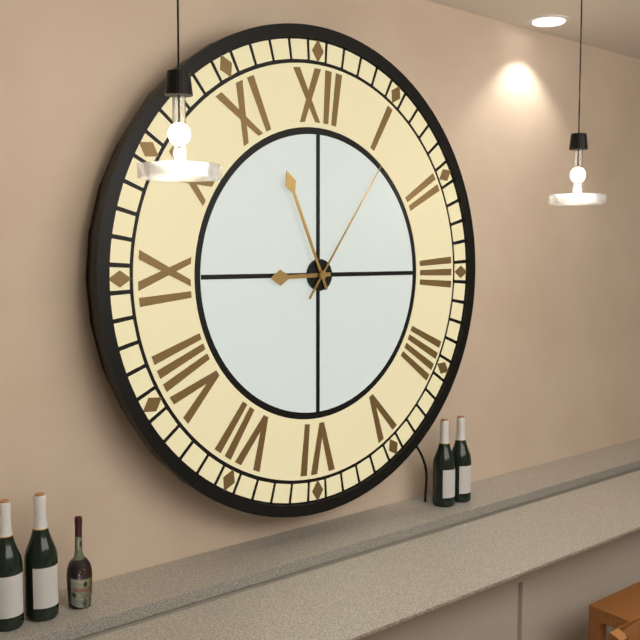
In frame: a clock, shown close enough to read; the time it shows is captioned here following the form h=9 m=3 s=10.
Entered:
h=8 m=56 s=6
